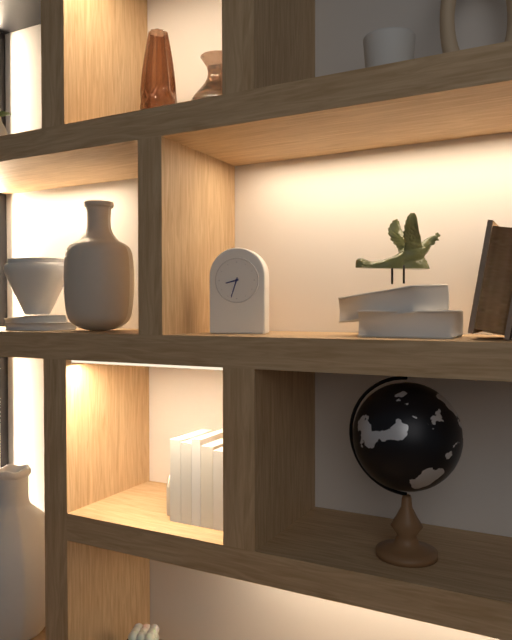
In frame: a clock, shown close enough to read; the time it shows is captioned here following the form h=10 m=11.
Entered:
h=8 m=33
